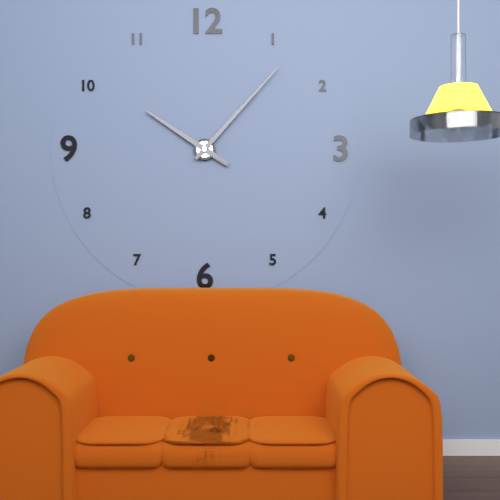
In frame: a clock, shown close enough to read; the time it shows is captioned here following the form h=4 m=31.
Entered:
h=10 m=7
